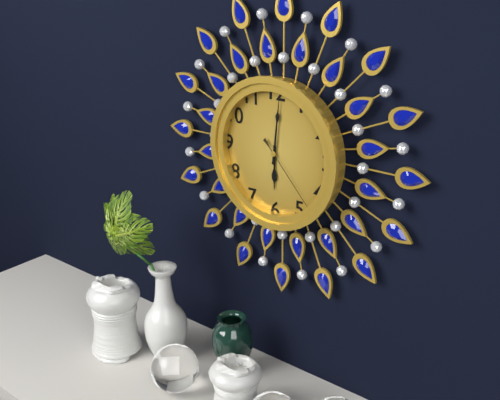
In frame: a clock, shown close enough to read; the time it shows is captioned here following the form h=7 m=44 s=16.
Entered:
h=6 m=1 s=23
